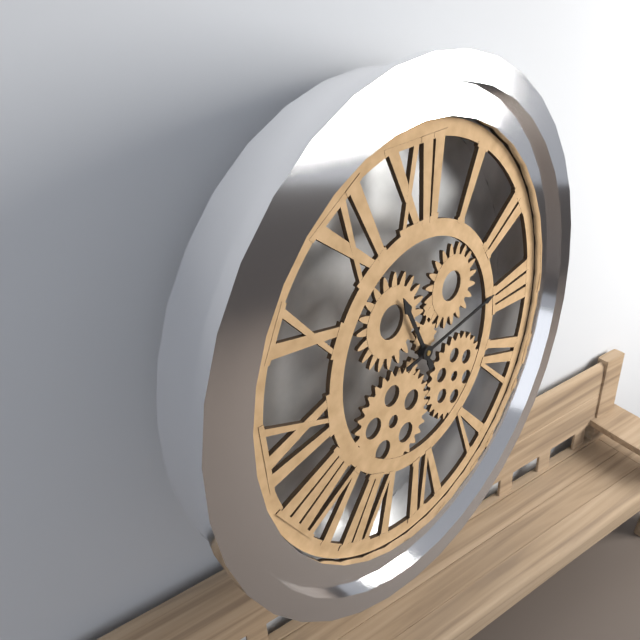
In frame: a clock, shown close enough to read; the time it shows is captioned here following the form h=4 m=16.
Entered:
h=11 m=14
